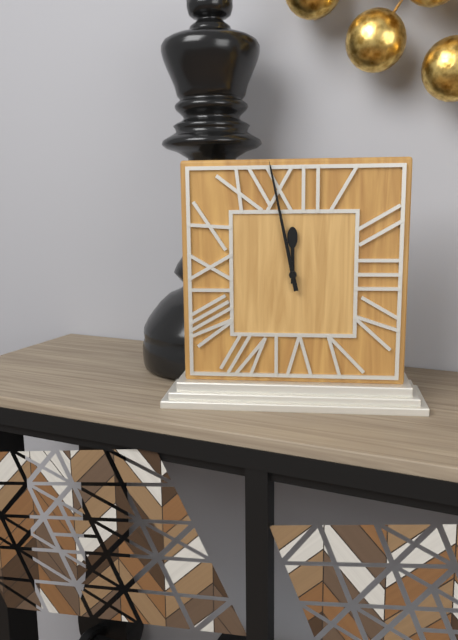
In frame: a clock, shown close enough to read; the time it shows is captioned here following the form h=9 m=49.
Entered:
h=11 m=58
